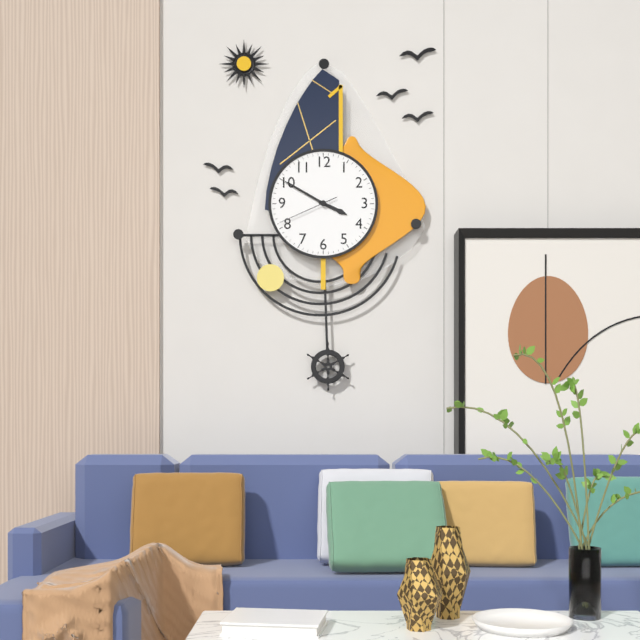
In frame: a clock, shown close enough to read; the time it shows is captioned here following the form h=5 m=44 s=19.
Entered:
h=3 m=50 s=41
